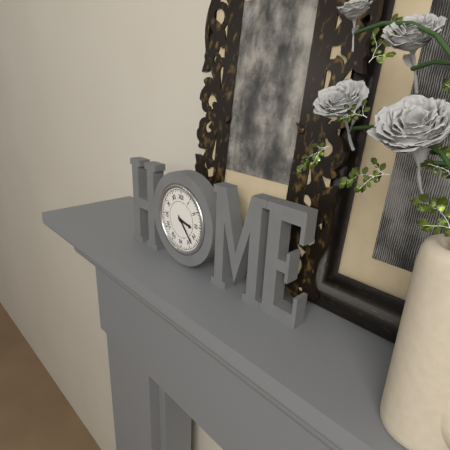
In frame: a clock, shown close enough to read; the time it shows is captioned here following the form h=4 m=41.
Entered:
h=3 m=23
